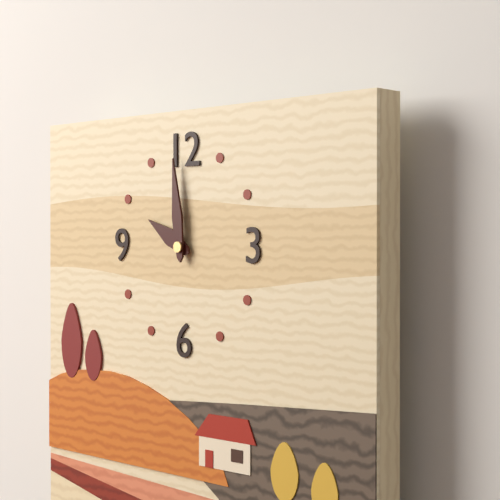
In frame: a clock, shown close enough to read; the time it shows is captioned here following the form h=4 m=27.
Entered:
h=9 m=59
